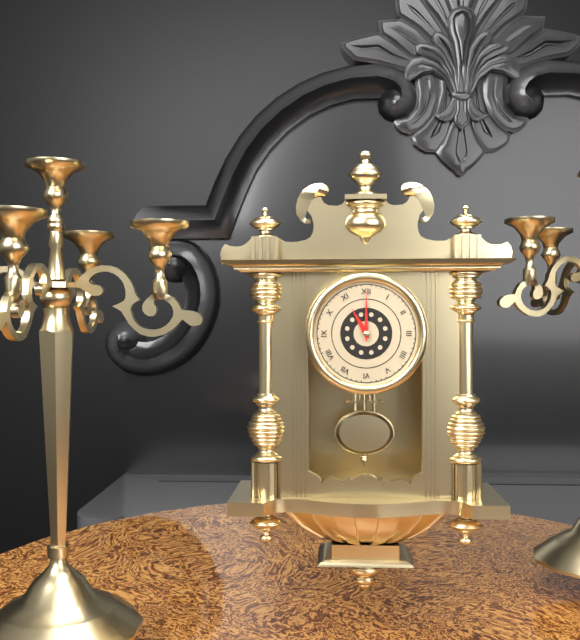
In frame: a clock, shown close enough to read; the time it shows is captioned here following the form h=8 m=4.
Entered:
h=11 m=0
